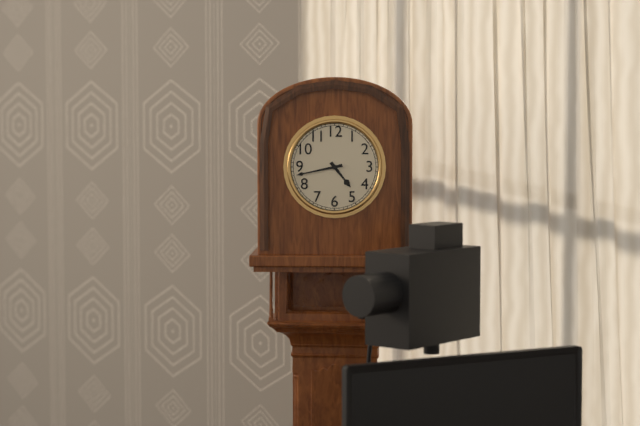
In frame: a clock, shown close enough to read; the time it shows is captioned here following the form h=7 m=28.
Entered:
h=4 m=43
